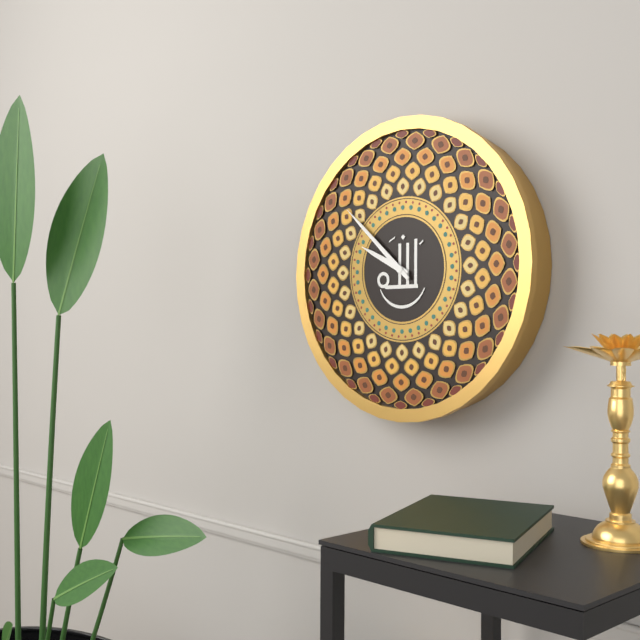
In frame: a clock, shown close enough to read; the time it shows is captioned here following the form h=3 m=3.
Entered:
h=9 m=52
